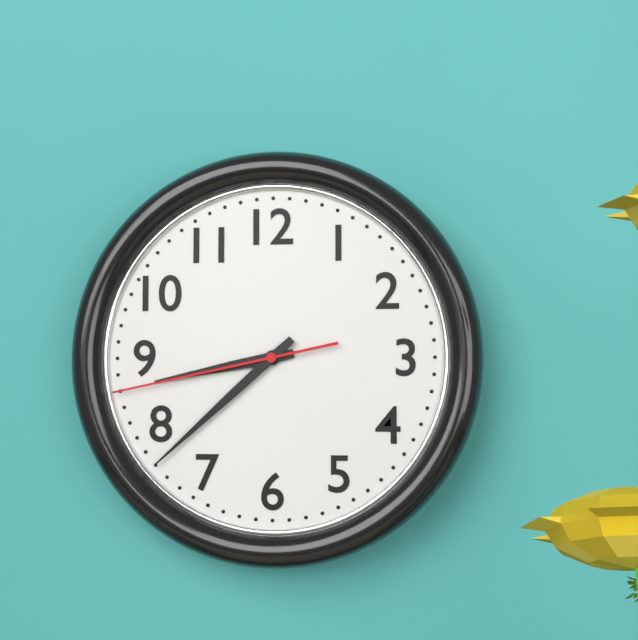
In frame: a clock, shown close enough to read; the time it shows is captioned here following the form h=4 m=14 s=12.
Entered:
h=8 m=38 s=43
